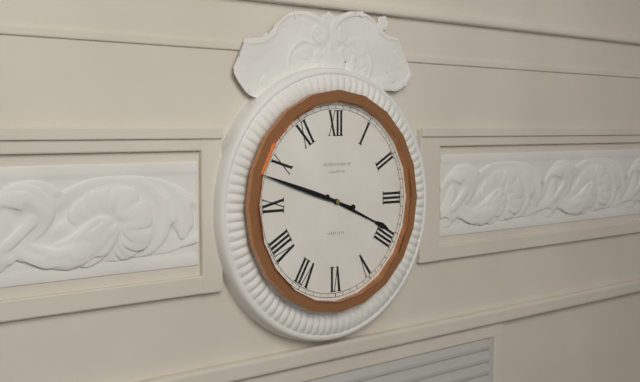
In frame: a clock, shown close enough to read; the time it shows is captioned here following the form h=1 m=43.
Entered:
h=3 m=48
